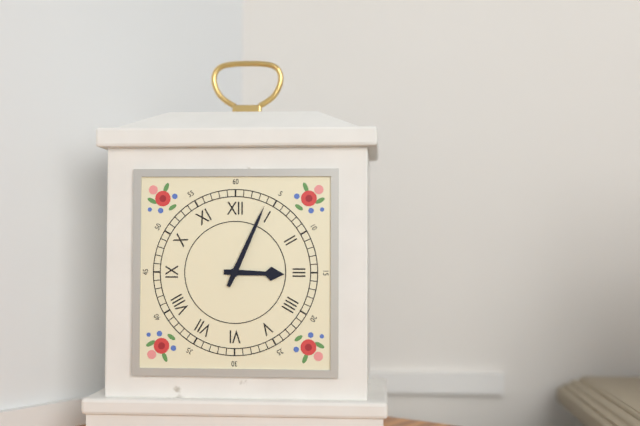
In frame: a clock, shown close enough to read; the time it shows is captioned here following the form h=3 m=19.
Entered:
h=3 m=4
